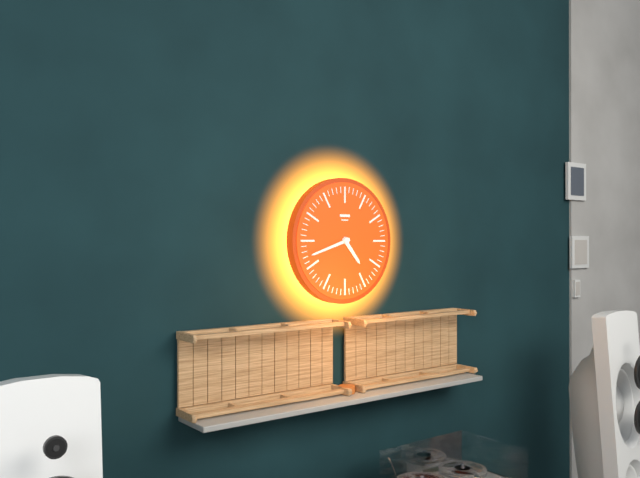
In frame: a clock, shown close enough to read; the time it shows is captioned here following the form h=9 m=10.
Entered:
h=4 m=42
